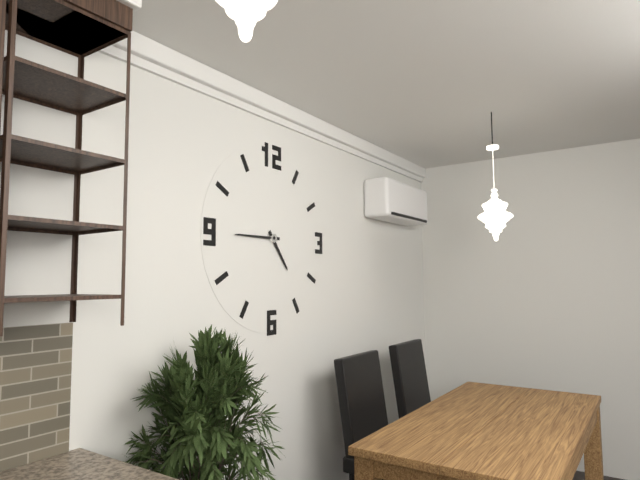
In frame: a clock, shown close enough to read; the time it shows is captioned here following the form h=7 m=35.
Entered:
h=4 m=45
